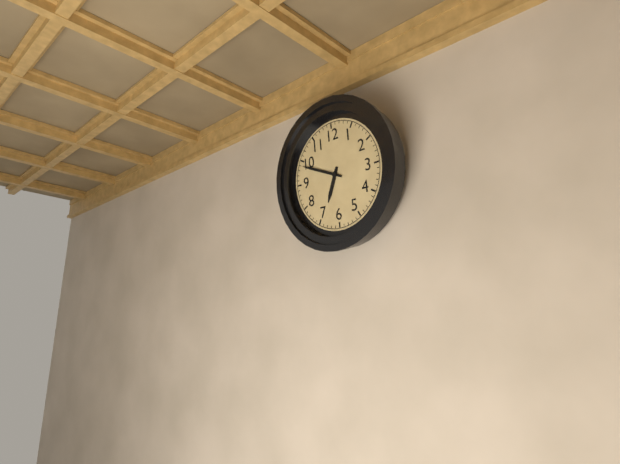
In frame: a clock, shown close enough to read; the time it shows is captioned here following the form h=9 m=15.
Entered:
h=6 m=49
